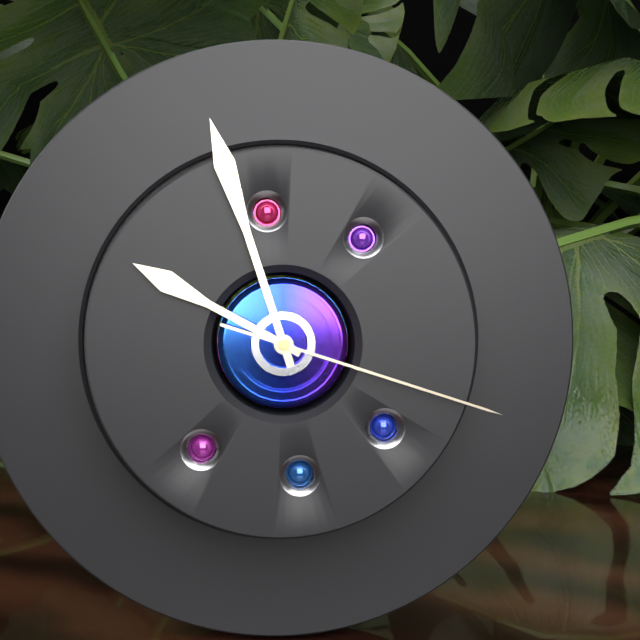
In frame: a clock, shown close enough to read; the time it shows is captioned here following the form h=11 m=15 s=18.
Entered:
h=9 m=57 s=18
